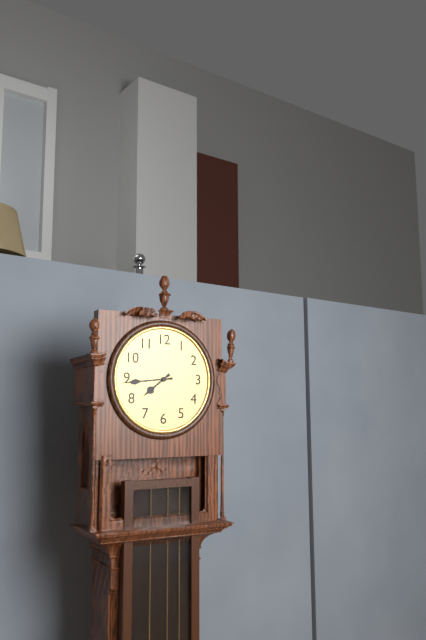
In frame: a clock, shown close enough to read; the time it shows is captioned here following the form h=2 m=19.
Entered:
h=7 m=44
